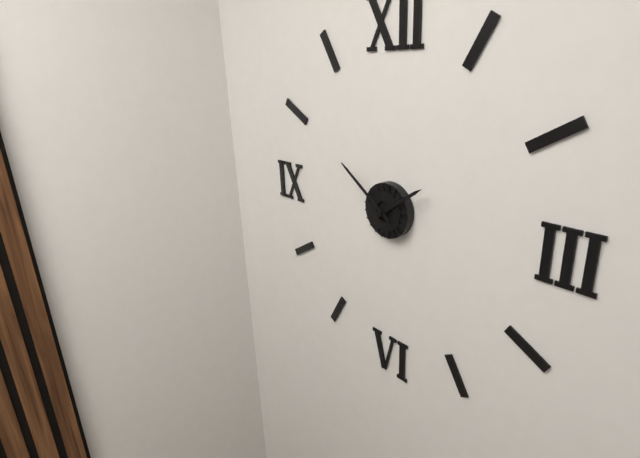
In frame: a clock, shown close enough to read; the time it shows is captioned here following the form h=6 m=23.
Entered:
h=1 m=51
